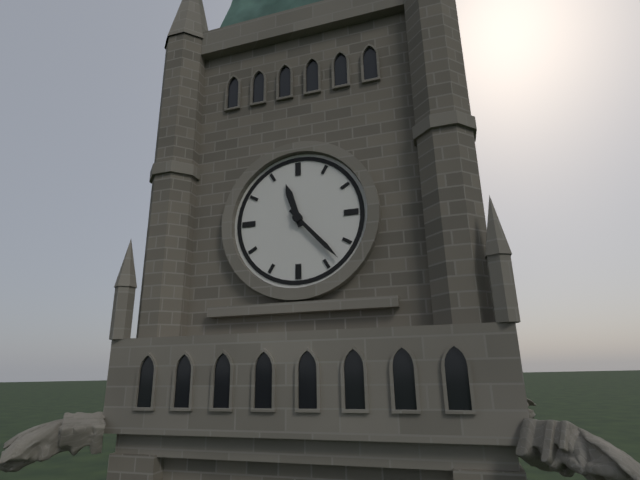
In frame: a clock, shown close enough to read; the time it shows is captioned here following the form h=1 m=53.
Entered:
h=11 m=23
